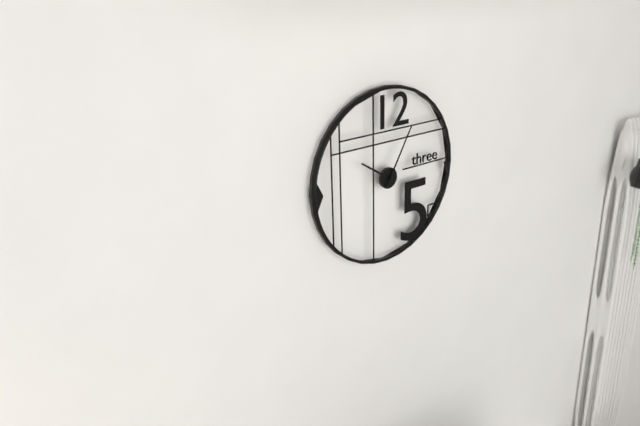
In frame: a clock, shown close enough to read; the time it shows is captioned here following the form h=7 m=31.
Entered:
h=10 m=5
